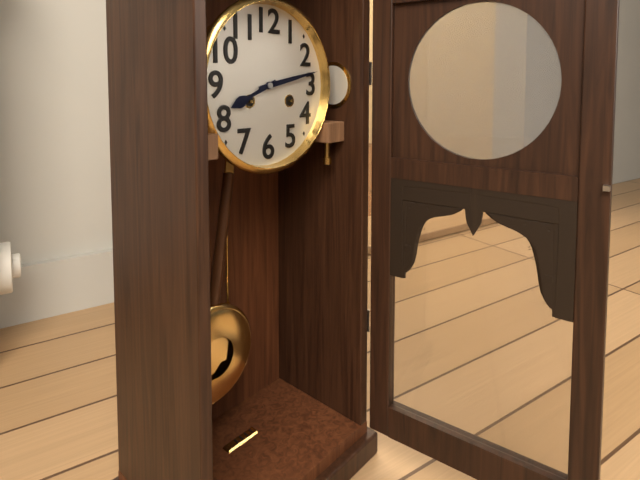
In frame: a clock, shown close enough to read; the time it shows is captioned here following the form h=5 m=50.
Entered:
h=8 m=13
